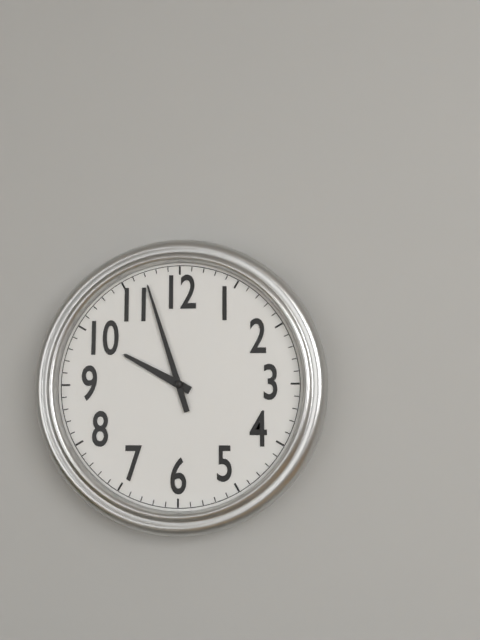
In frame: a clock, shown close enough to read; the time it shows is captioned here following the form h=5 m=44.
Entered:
h=9 m=57
